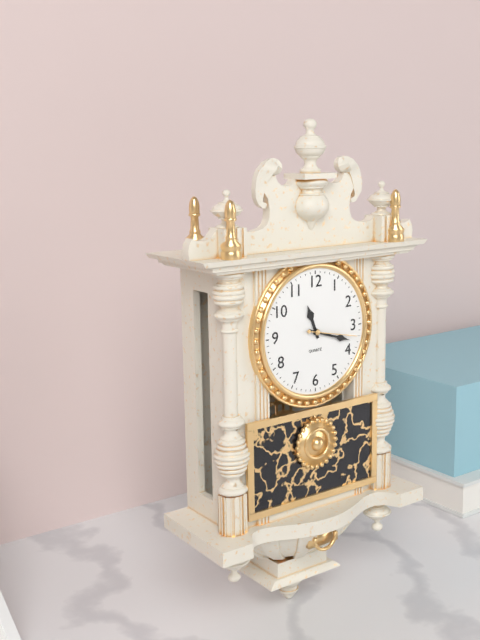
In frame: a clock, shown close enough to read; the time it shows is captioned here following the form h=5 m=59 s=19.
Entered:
h=11 m=18 s=17
